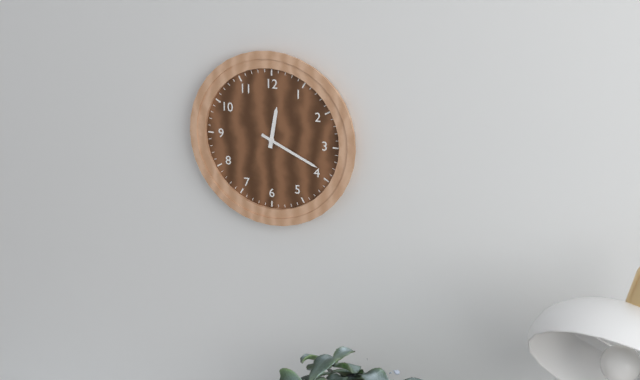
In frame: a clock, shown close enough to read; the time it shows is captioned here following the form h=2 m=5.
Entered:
h=12 m=19
